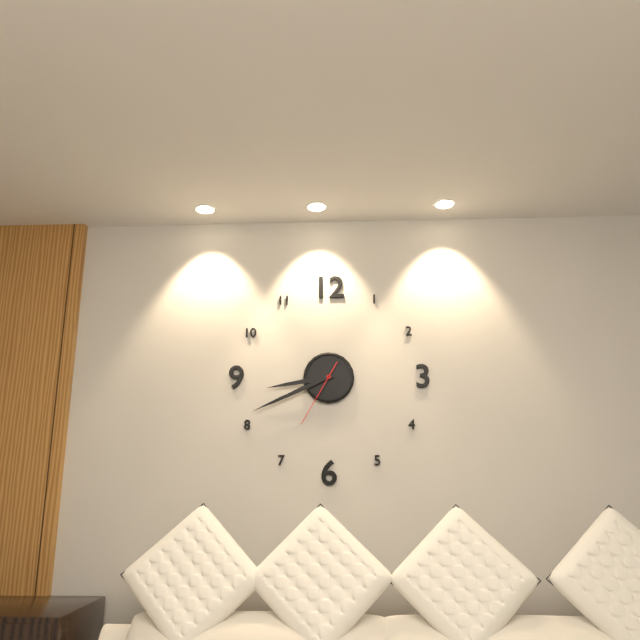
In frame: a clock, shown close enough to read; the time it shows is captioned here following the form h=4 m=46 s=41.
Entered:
h=8 m=41 s=35
